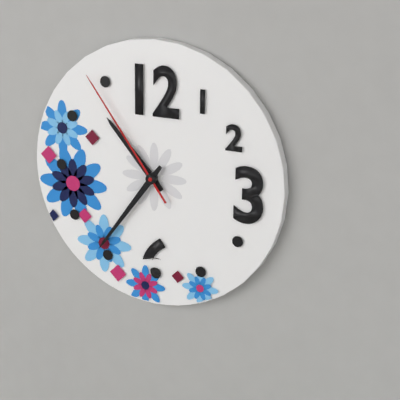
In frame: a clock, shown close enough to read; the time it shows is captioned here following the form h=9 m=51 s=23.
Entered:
h=10 m=36 s=54
